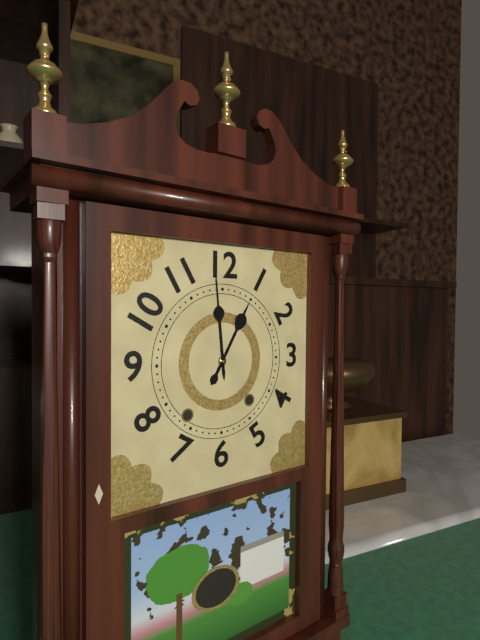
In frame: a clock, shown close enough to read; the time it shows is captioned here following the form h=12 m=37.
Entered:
h=12 m=59
